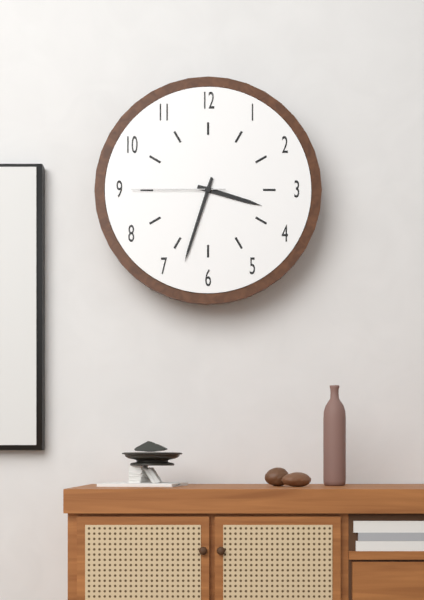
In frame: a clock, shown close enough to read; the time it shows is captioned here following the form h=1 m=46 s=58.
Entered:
h=3 m=33 s=45
